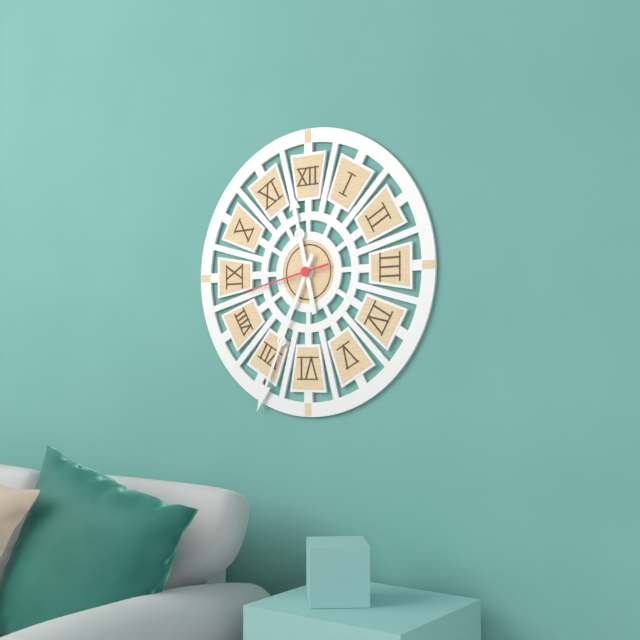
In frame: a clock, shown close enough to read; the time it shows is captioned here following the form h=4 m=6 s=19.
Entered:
h=11 m=34 s=43
